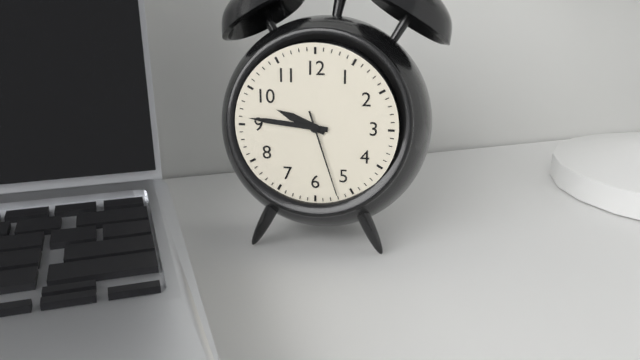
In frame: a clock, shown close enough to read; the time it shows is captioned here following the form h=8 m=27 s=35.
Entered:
h=9 m=46 s=27
